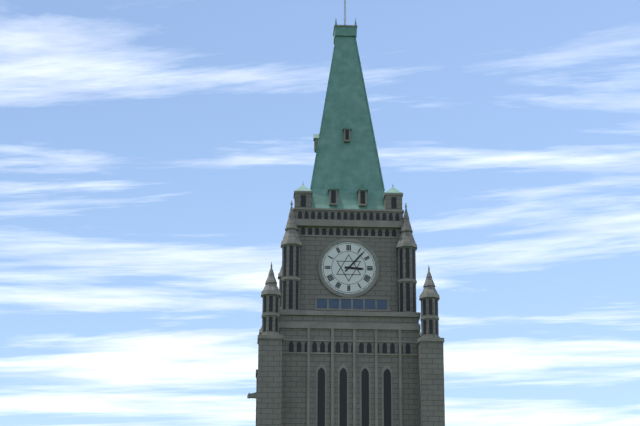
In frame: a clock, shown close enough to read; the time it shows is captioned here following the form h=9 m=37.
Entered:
h=3 m=7
